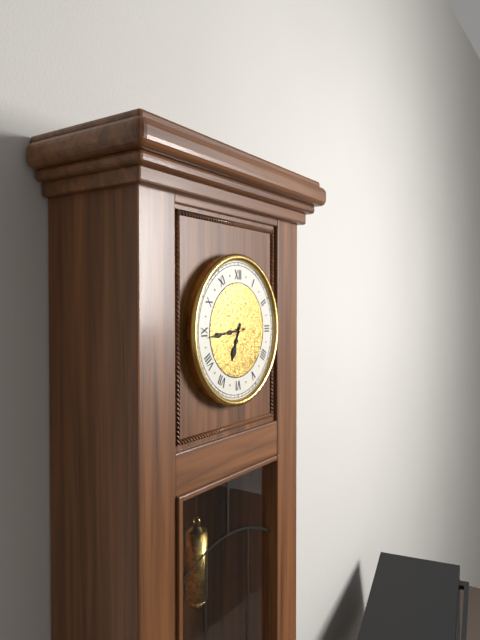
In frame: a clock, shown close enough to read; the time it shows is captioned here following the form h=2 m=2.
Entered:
h=6 m=44
